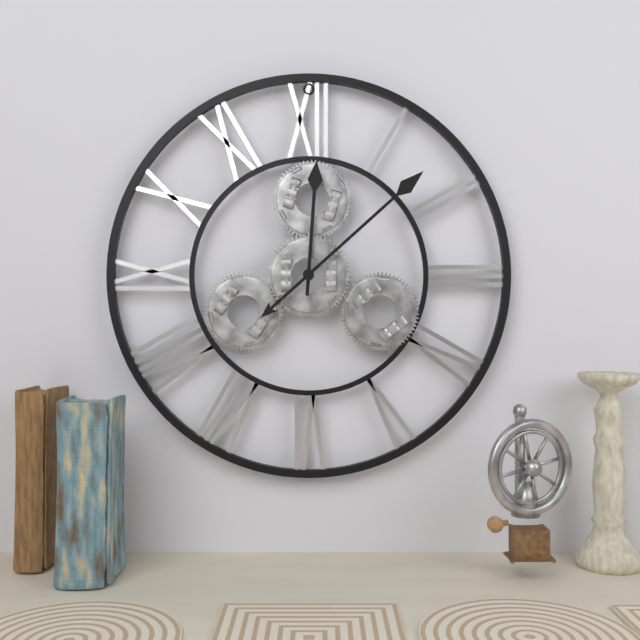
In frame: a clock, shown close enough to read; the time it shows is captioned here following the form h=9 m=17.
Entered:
h=12 m=8
